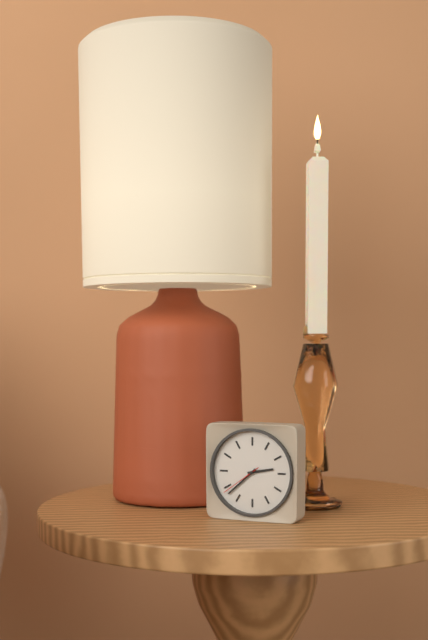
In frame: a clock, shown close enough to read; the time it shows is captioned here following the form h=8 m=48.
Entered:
h=2 m=38
